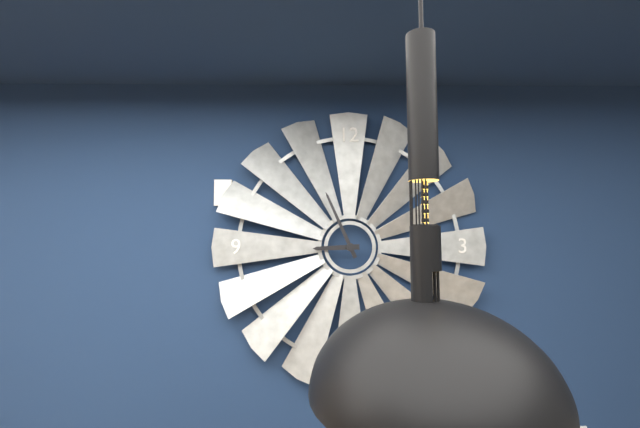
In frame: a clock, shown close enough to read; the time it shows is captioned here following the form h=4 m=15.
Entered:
h=8 m=56
